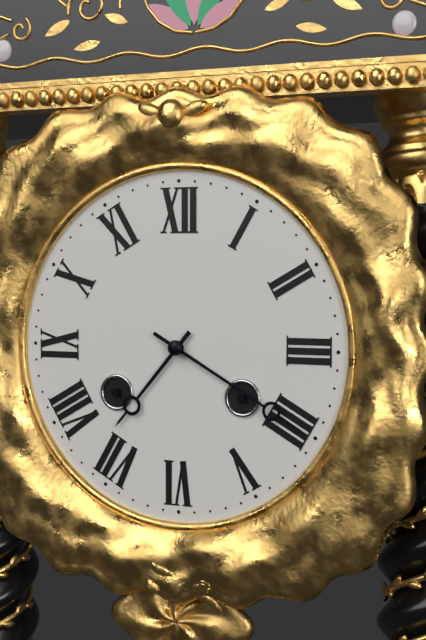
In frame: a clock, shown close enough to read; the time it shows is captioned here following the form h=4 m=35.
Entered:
h=7 m=20
